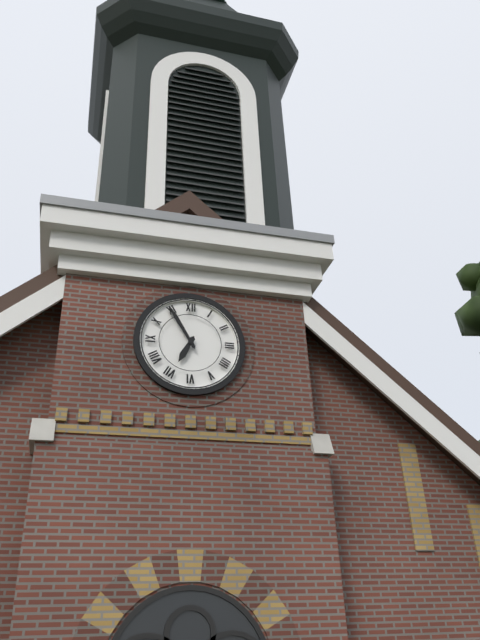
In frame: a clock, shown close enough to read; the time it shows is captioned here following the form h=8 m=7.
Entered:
h=6 m=55
